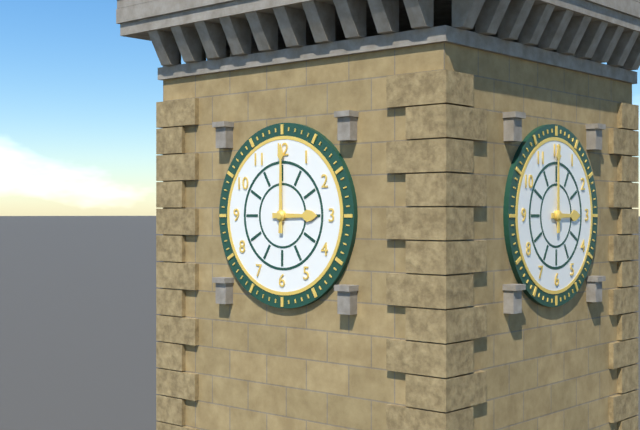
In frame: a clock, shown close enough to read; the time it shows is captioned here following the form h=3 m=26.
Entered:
h=3 m=0
